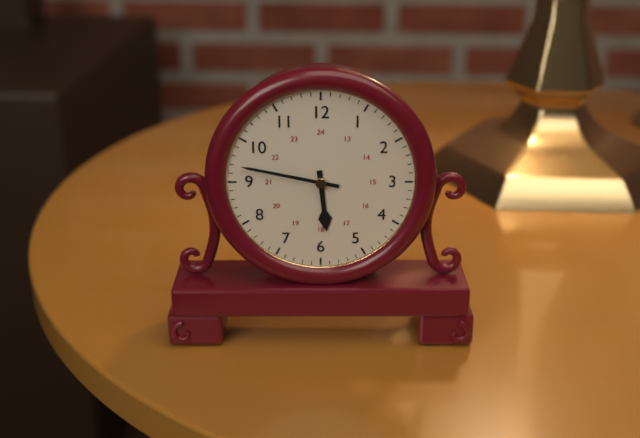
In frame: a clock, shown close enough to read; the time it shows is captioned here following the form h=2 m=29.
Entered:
h=5 m=47
